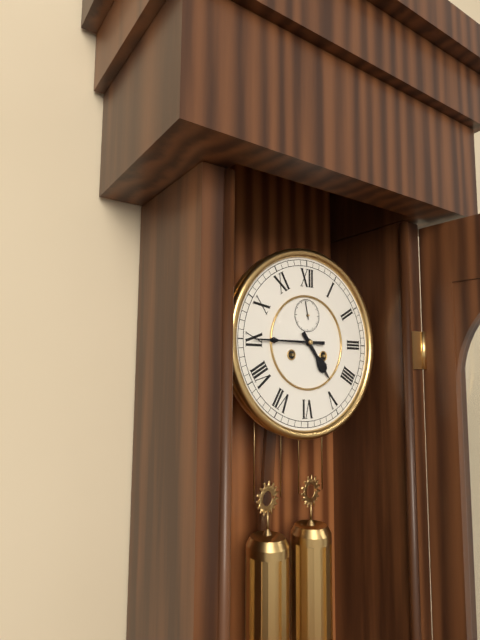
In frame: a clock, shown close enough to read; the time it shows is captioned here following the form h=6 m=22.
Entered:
h=4 m=45
